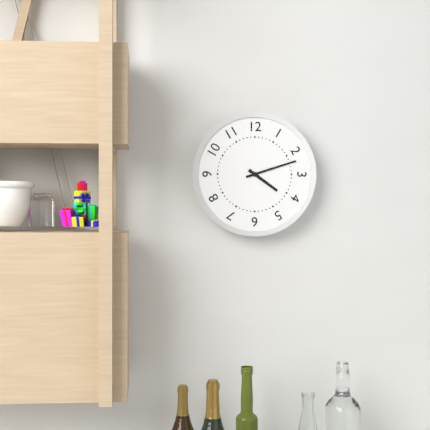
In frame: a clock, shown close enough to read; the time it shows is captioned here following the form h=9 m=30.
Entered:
h=4 m=12
